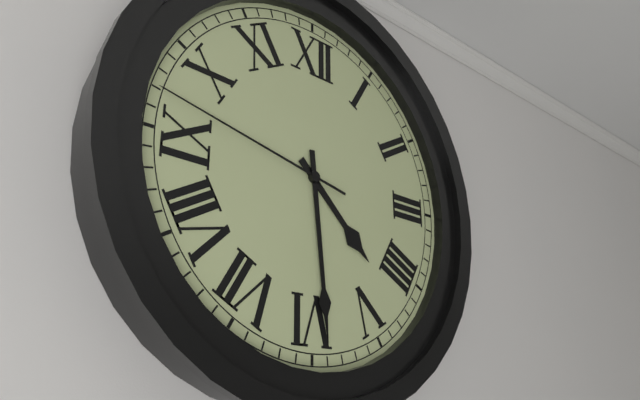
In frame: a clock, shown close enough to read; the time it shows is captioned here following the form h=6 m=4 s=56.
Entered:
h=4 m=29 s=47
